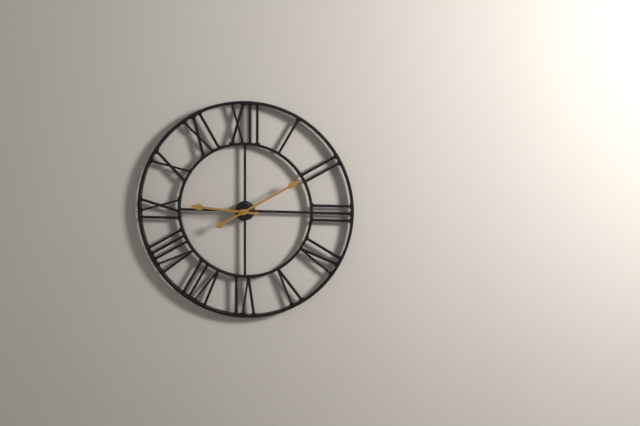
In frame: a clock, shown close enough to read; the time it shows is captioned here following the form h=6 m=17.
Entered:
h=9 m=10
